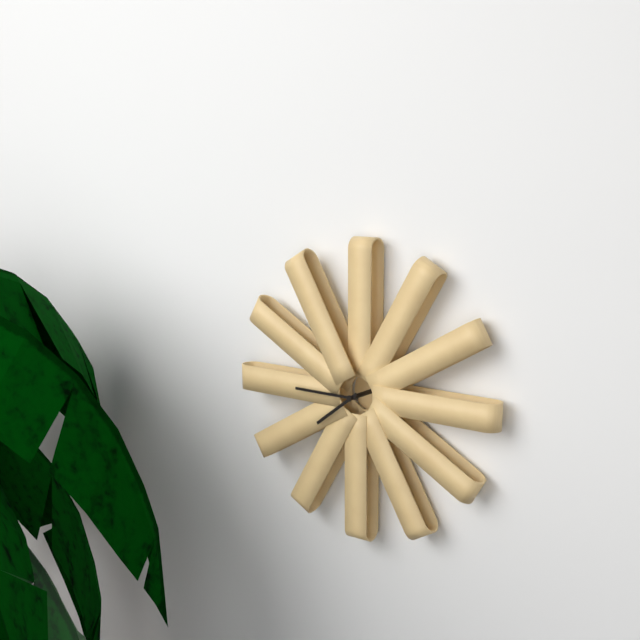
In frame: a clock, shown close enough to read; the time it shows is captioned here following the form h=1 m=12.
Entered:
h=7 m=45
